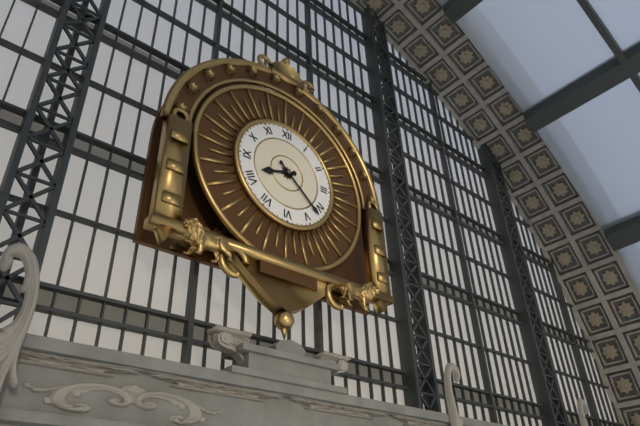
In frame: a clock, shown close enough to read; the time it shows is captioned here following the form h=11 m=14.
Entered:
h=8 m=22
